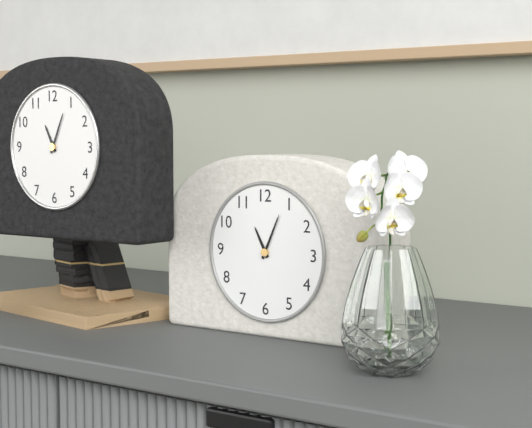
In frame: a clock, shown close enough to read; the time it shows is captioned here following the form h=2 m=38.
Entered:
h=11 m=4
